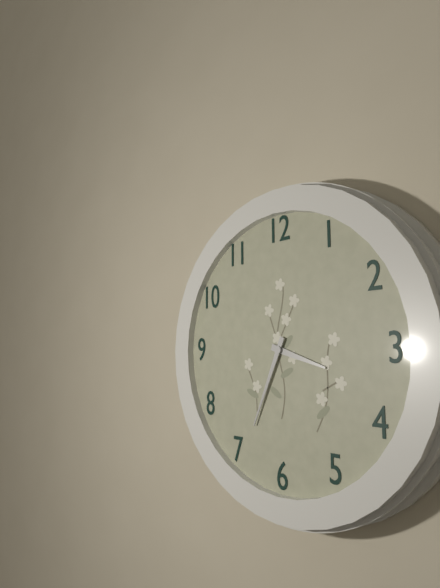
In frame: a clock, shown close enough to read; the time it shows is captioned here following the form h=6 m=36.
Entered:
h=3 m=34
